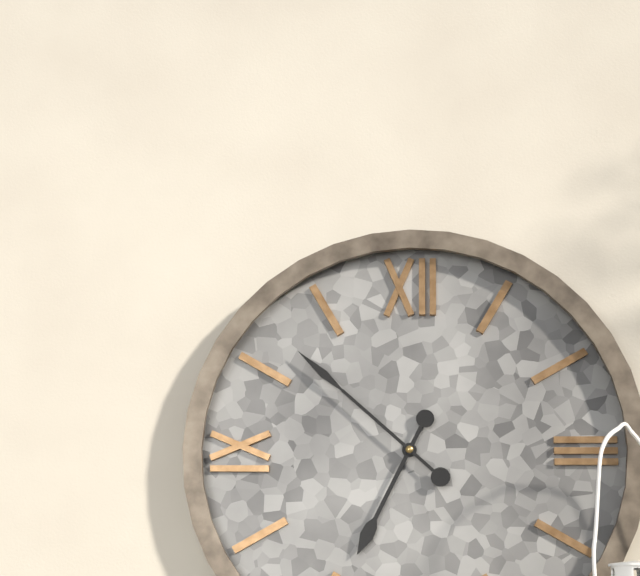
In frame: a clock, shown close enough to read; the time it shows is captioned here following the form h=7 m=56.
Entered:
h=6 m=52
